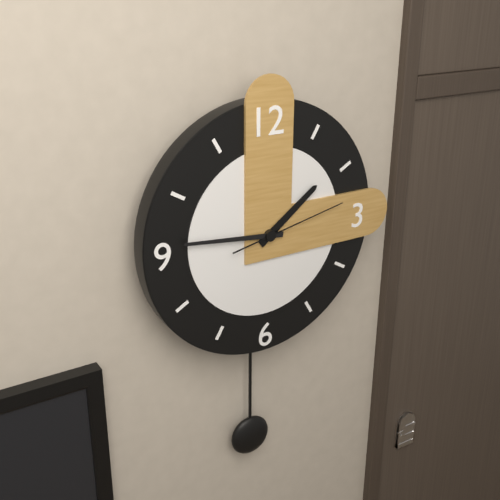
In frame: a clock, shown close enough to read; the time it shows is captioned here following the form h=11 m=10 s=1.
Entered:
h=1 m=46 s=13
